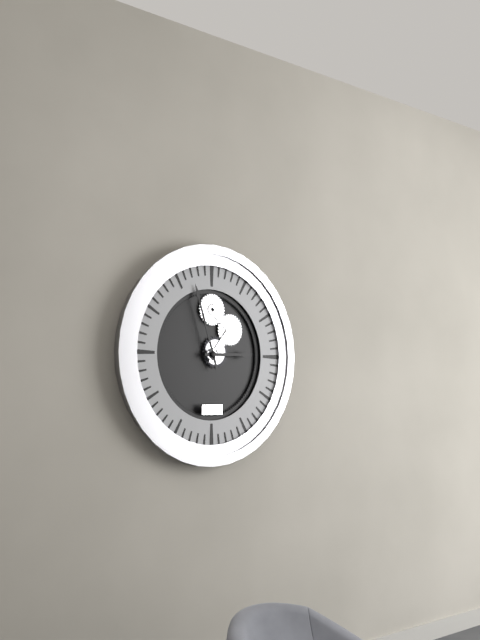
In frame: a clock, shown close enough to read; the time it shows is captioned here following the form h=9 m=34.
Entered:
h=2 m=57
